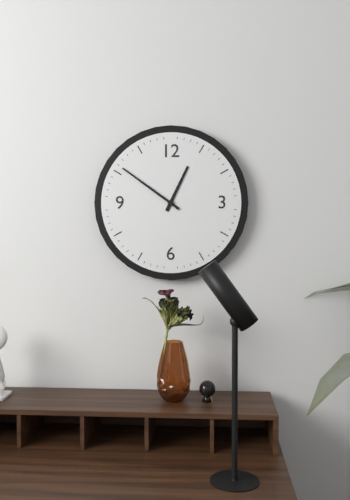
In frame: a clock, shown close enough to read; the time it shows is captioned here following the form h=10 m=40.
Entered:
h=12 m=51
